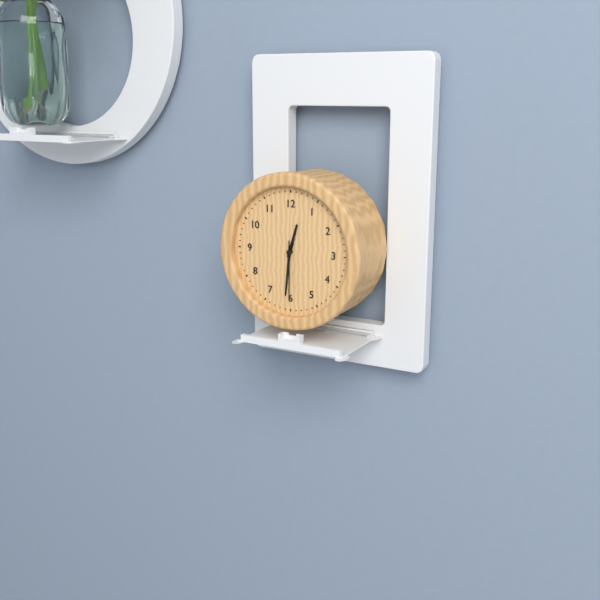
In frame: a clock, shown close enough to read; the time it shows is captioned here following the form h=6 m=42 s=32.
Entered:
h=12 m=31 s=30
